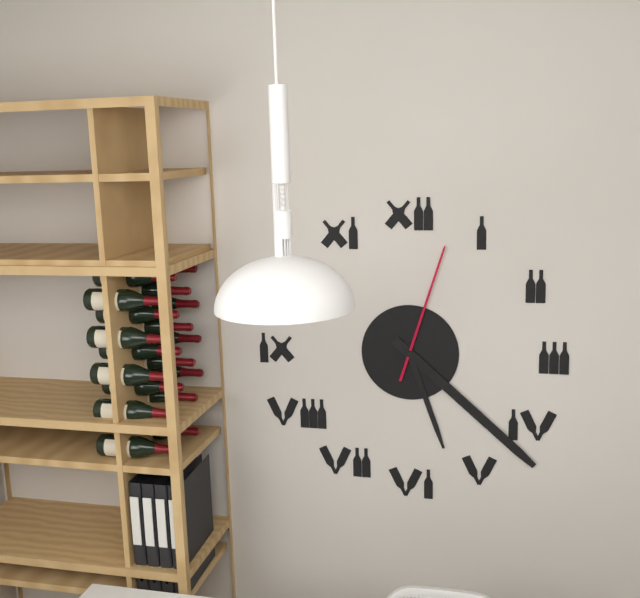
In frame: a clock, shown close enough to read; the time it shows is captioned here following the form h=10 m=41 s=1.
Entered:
h=5 m=22 s=3
